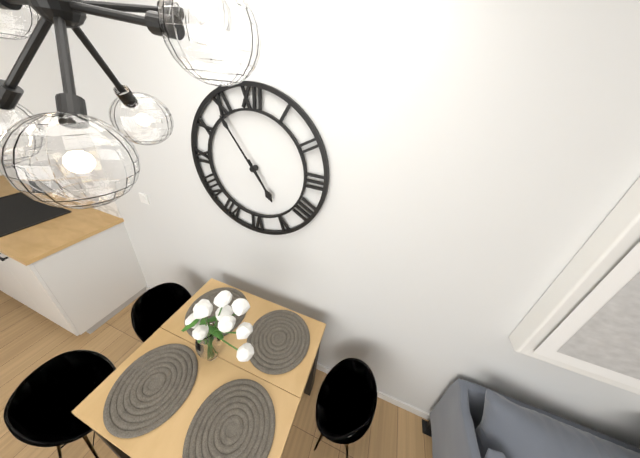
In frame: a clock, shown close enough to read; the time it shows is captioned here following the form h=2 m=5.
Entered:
h=4 m=54
